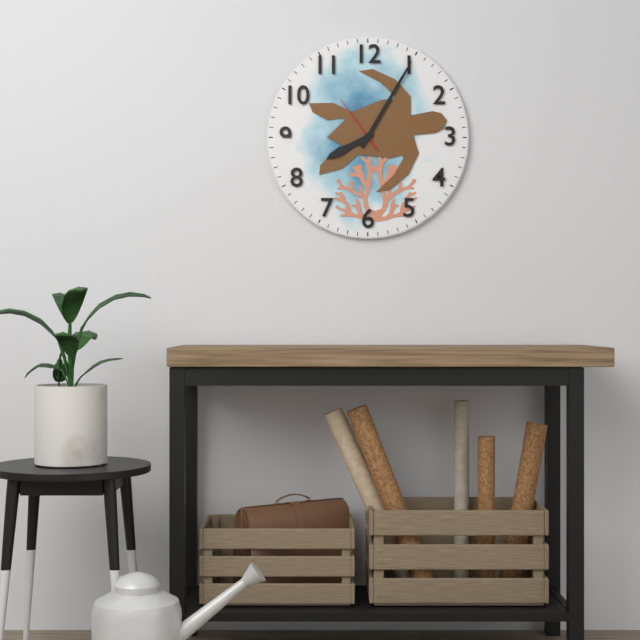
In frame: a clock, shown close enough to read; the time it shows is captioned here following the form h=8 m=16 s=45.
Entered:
h=8 m=5 s=54
